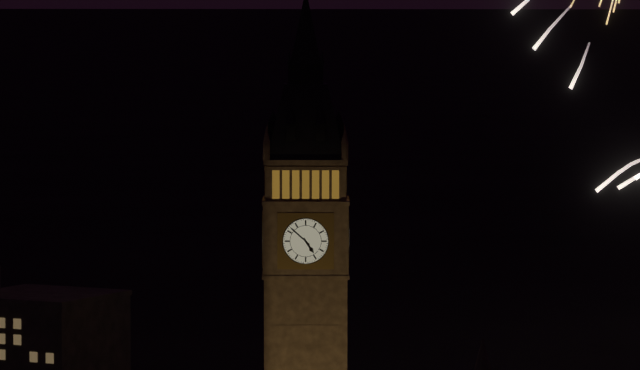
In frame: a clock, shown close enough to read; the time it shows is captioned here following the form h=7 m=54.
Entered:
h=4 m=52
